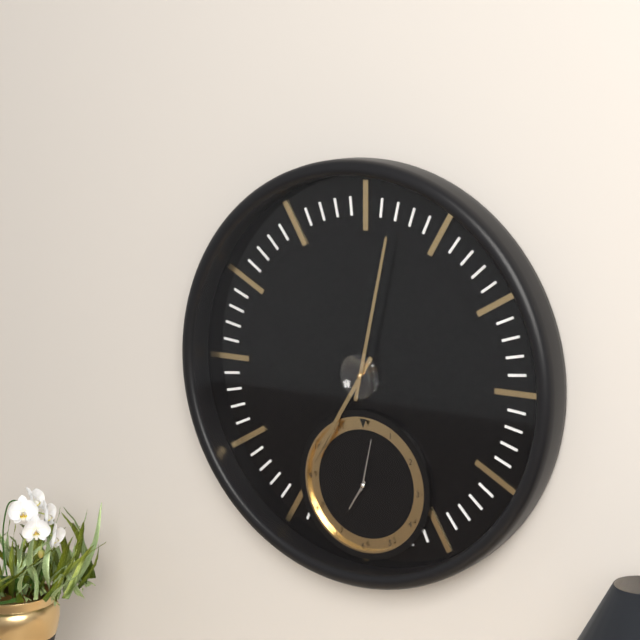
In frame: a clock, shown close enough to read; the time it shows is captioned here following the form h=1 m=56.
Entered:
h=7 m=2
